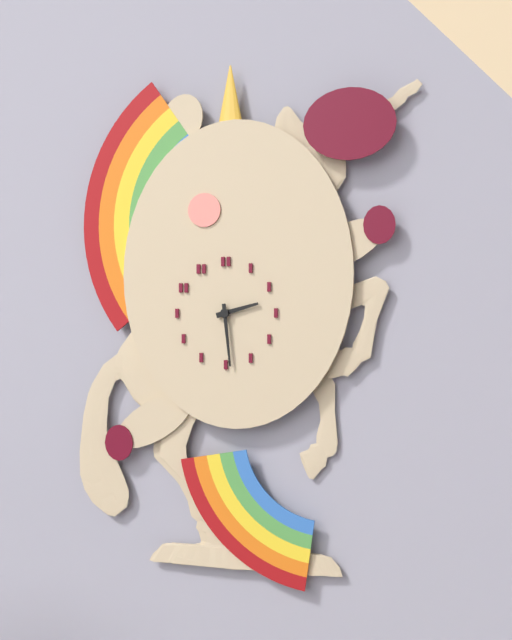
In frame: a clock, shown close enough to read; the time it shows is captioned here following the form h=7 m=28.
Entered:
h=2 m=29
